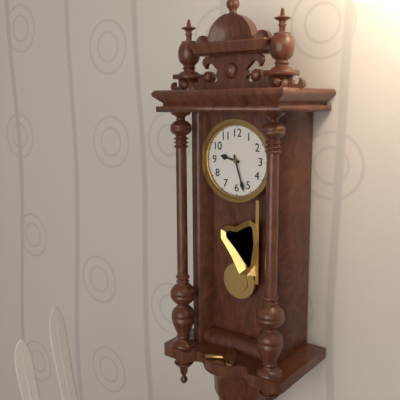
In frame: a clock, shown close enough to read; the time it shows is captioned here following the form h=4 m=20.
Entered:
h=9 m=27
